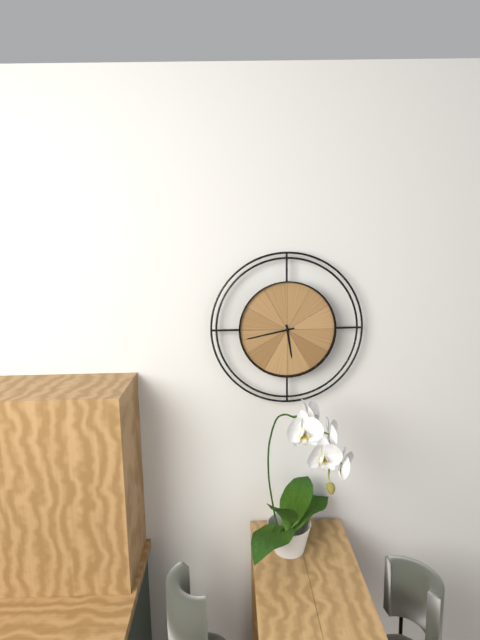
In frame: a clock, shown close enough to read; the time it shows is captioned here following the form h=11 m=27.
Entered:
h=5 m=43
